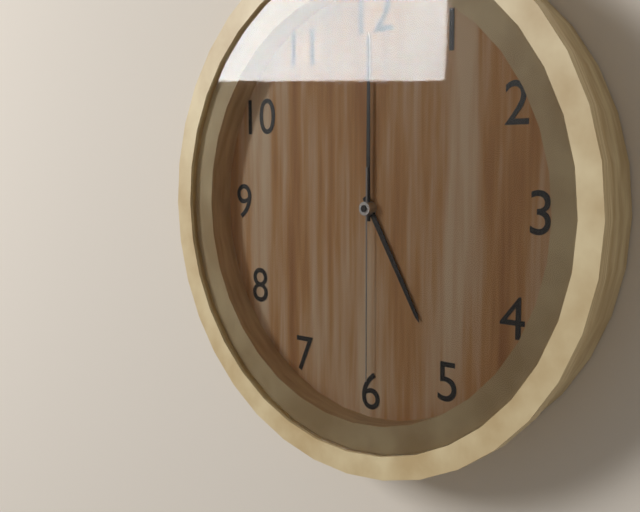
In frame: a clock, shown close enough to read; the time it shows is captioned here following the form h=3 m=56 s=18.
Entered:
h=5 m=0 s=30
